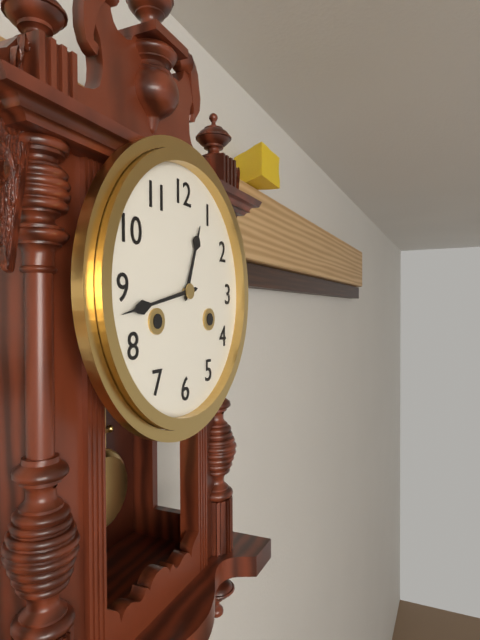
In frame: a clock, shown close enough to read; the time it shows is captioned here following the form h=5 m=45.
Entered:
h=12 m=43
